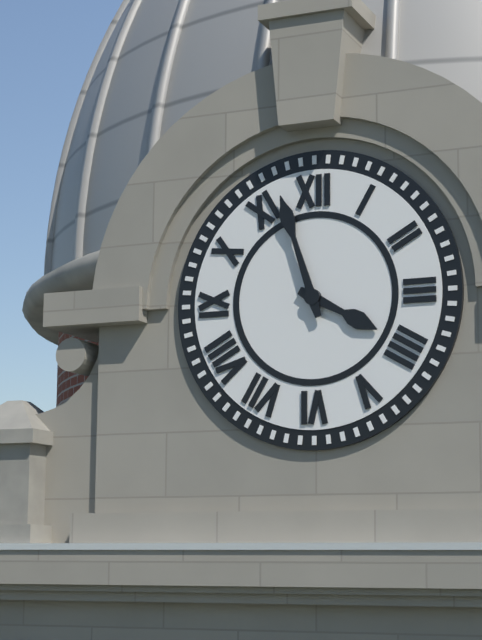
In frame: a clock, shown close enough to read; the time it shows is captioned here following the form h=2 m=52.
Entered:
h=3 m=57
